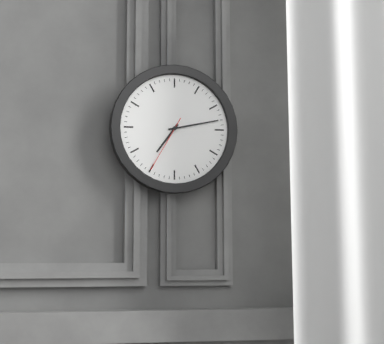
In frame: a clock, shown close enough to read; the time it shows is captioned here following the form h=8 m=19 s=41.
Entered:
h=7 m=13 s=35
